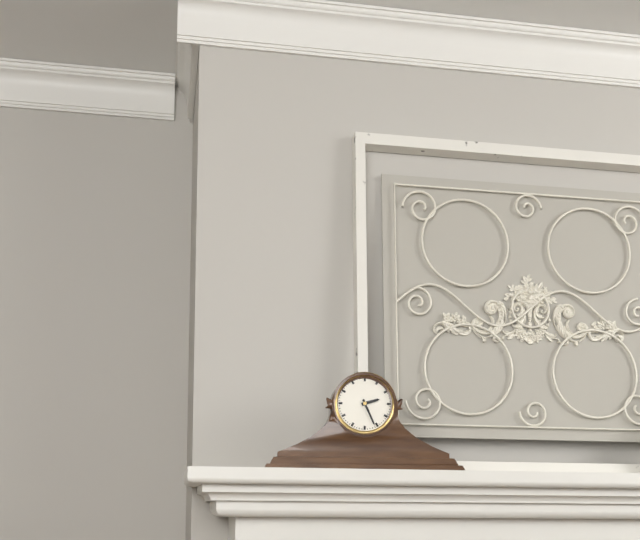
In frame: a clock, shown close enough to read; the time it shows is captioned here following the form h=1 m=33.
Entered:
h=2 m=26
